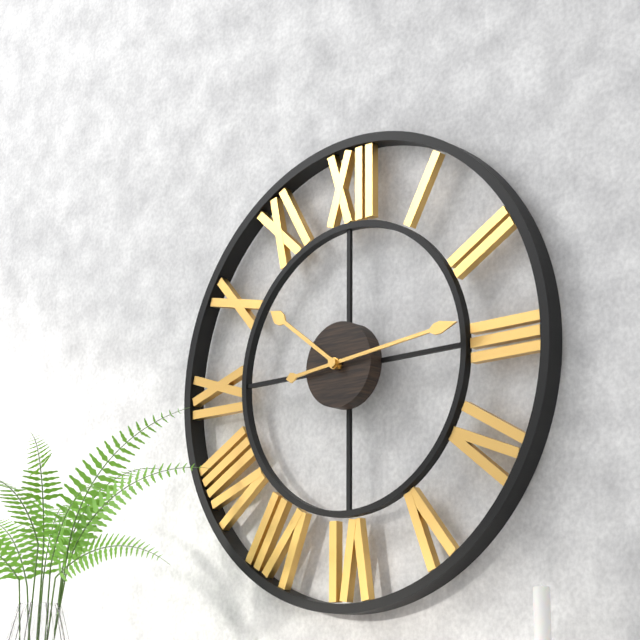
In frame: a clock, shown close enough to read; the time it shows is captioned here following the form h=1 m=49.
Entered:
h=10 m=14
